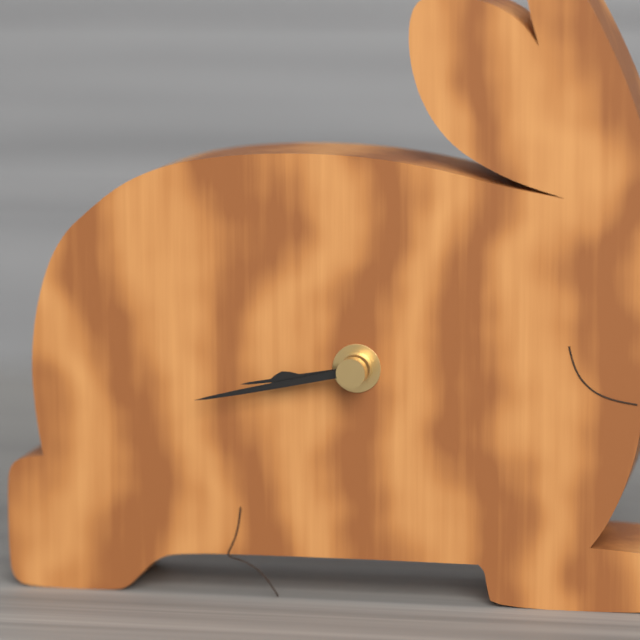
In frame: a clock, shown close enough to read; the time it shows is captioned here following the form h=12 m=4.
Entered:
h=8 m=43
